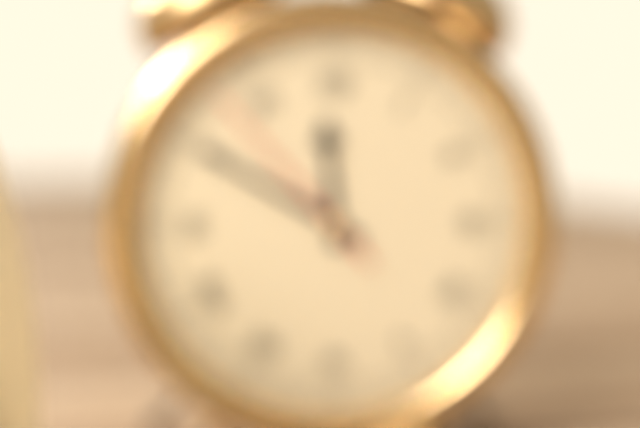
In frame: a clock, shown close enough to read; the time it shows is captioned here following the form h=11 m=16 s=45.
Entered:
h=11 m=50 s=53
